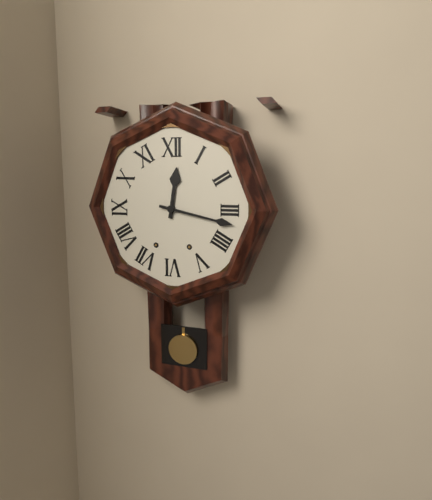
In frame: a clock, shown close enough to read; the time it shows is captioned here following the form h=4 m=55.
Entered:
h=12 m=17
